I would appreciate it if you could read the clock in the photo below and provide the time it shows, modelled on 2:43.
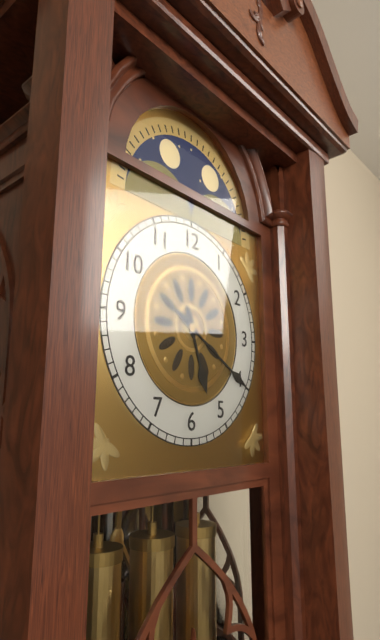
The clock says 5:20
